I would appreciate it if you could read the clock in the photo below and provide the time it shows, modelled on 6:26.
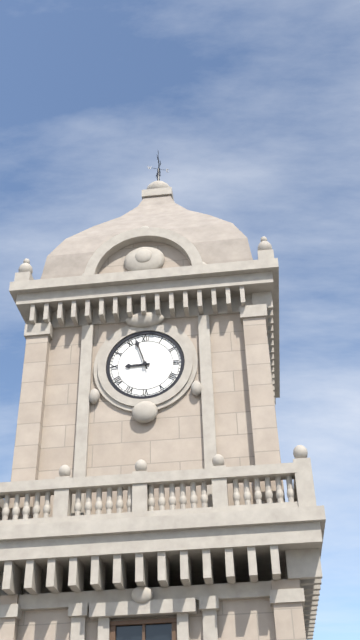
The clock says 8:57
